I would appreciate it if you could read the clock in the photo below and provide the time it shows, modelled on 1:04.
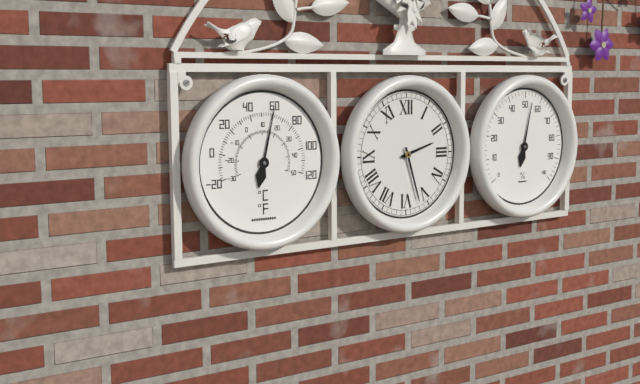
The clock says 2:27
